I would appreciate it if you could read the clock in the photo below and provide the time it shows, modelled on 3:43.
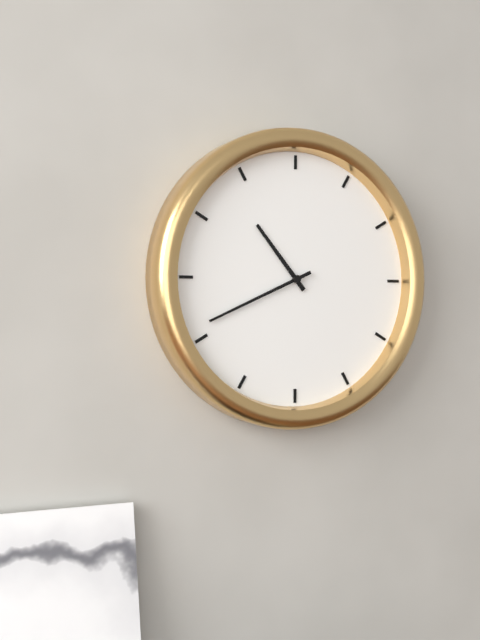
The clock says 10:41
